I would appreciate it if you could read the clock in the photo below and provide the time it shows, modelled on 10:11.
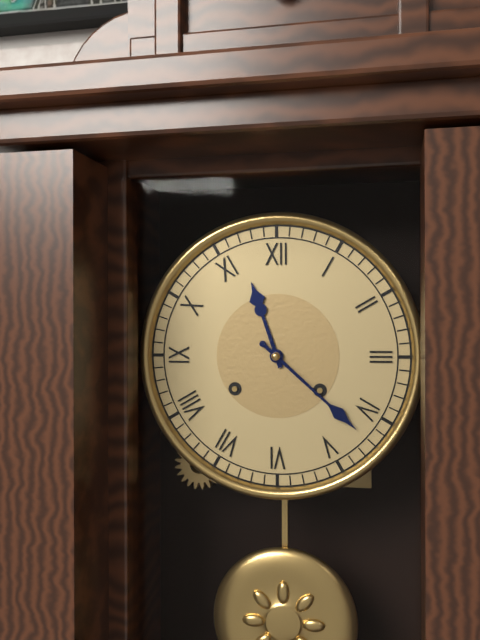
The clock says 11:22
